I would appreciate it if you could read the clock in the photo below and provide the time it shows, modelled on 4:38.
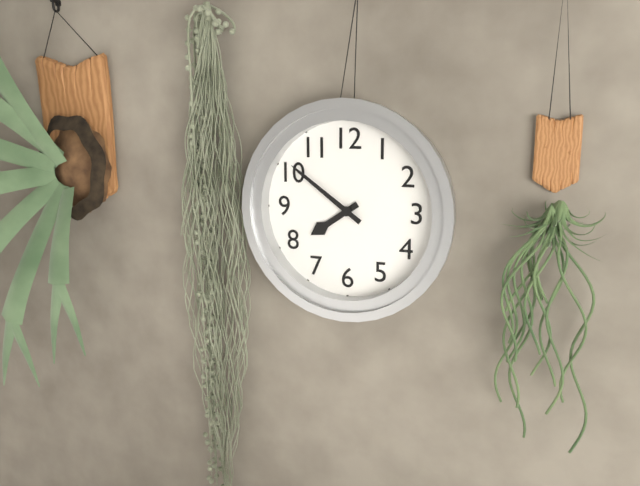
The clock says 7:51
